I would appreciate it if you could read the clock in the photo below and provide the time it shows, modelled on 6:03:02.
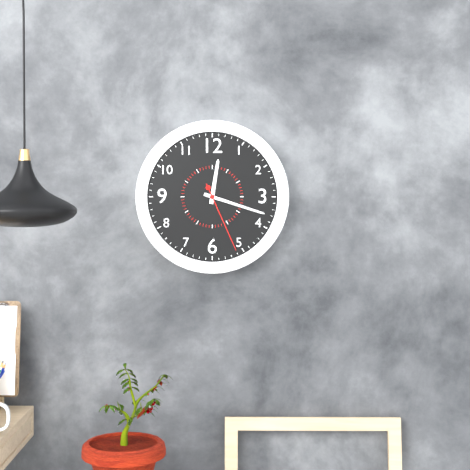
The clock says 12:18:26
